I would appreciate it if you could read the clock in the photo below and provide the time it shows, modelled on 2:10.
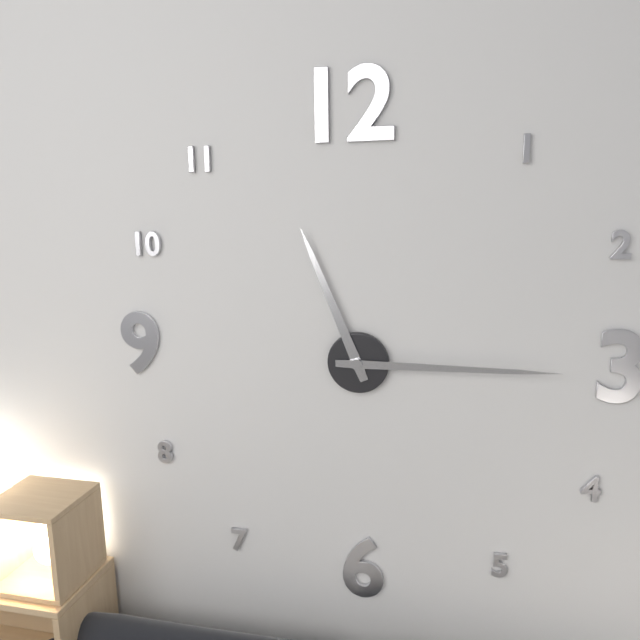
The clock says 11:15
